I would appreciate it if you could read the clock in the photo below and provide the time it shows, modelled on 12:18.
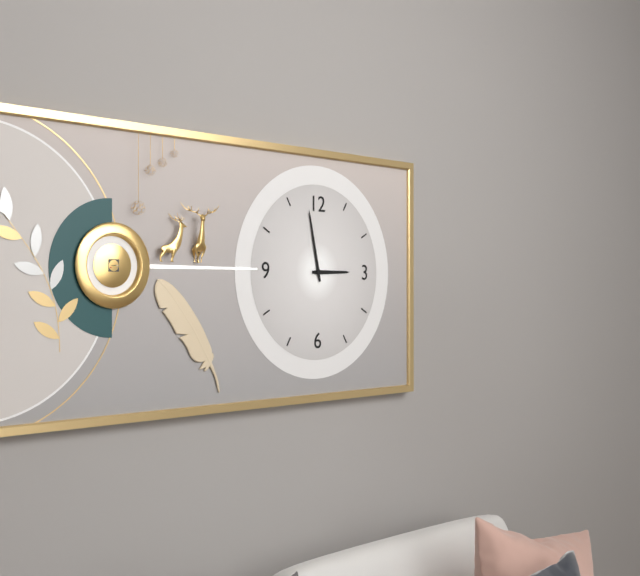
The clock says 2:58
